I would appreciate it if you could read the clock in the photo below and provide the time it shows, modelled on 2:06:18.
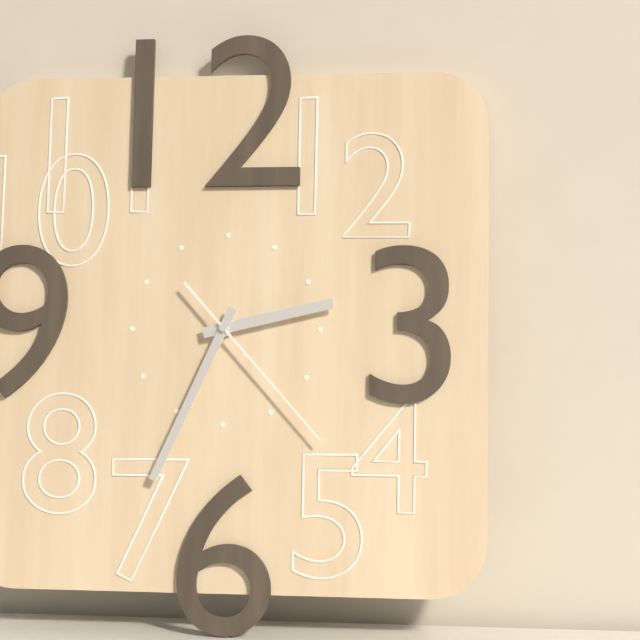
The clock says 2:34:23
